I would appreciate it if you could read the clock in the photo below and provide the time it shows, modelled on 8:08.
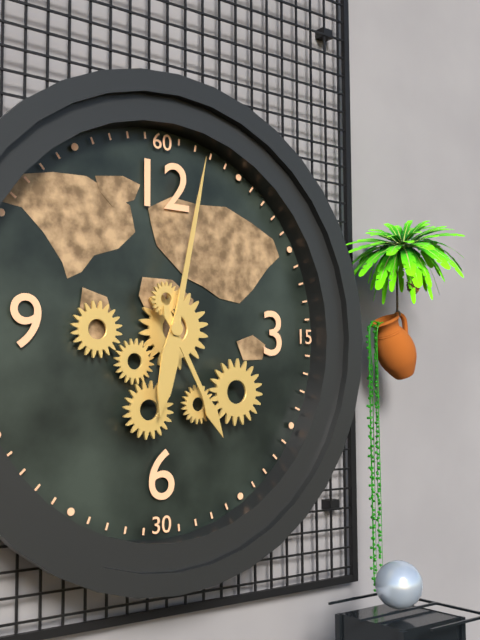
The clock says 5:02
